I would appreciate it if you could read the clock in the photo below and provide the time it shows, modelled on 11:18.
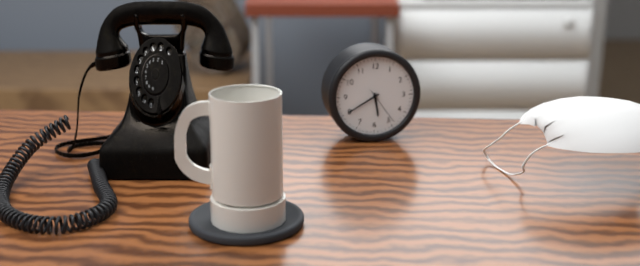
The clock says 5:40
